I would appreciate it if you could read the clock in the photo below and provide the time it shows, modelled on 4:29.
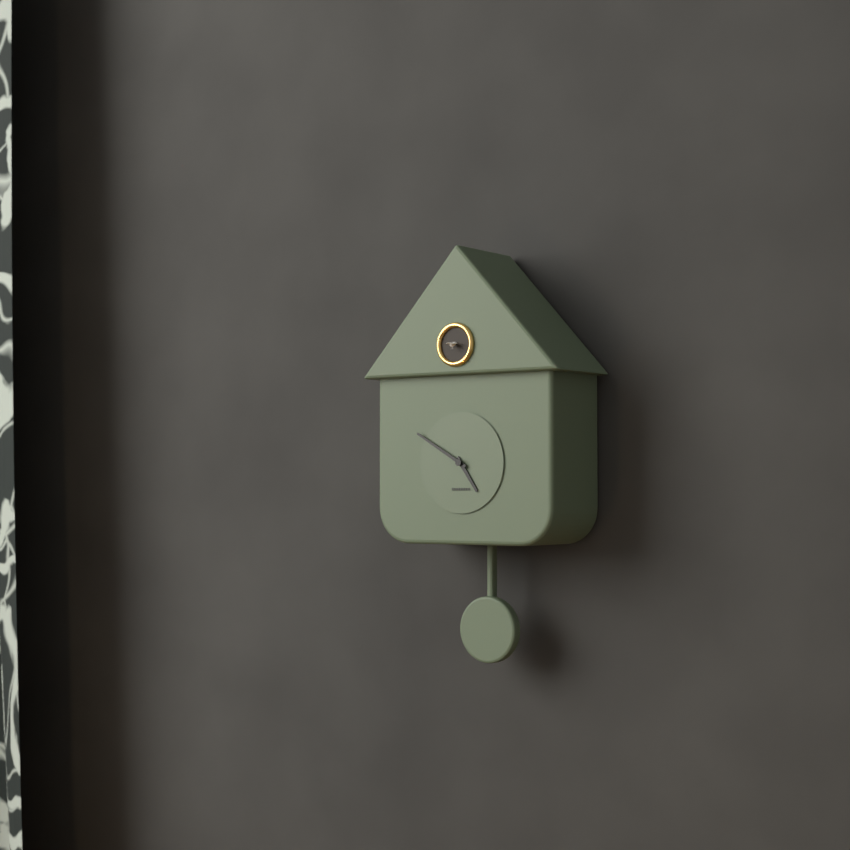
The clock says 4:50
